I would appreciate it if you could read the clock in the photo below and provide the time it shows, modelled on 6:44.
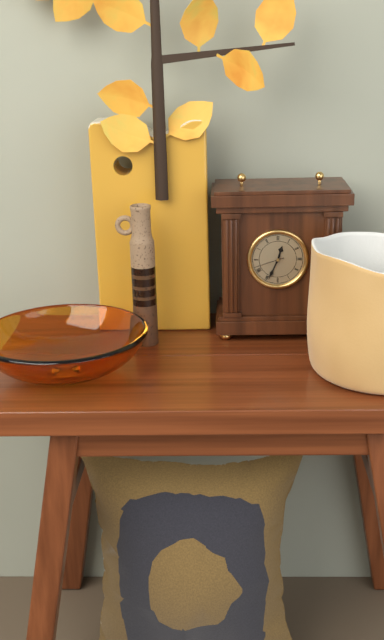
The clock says 12:34
